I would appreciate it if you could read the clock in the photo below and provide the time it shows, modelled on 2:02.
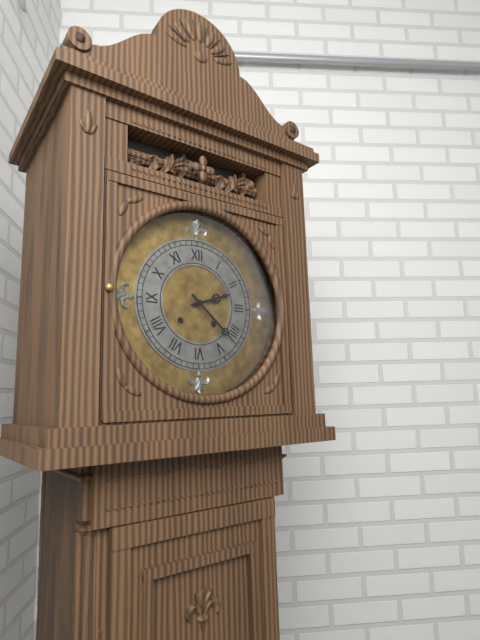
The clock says 2:22
